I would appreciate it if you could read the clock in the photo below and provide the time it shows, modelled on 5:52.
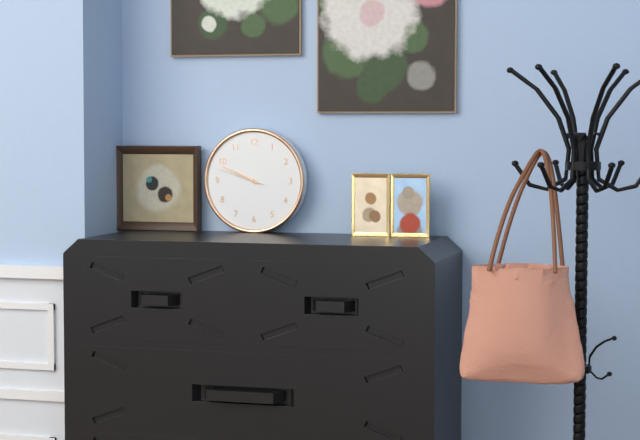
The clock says 9:49
